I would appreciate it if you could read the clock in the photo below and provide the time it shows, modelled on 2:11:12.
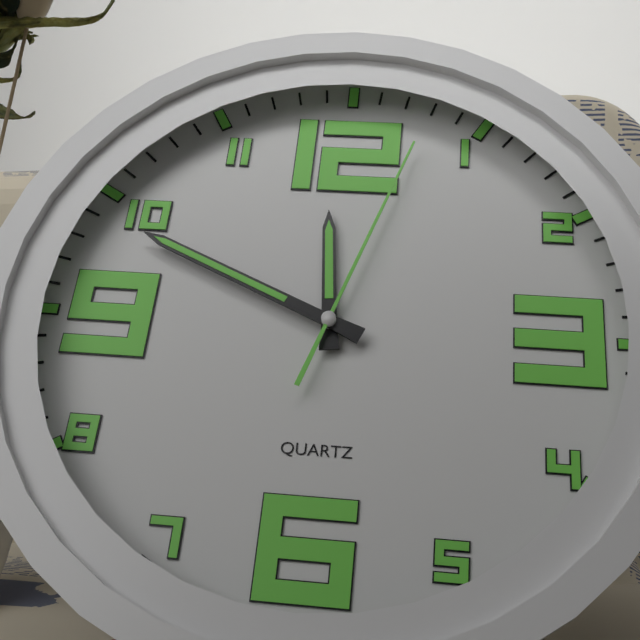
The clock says 11:49:03
